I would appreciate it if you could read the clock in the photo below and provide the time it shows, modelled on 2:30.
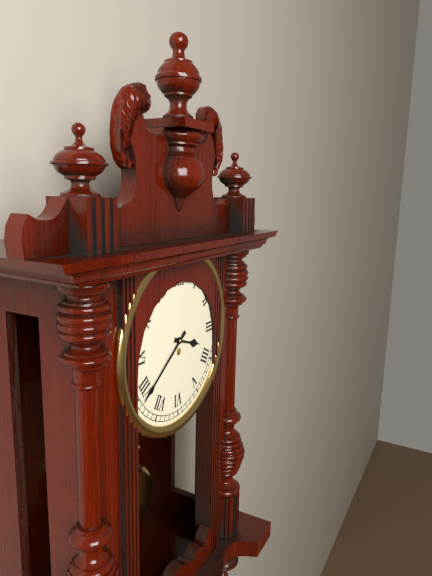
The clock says 3:39
